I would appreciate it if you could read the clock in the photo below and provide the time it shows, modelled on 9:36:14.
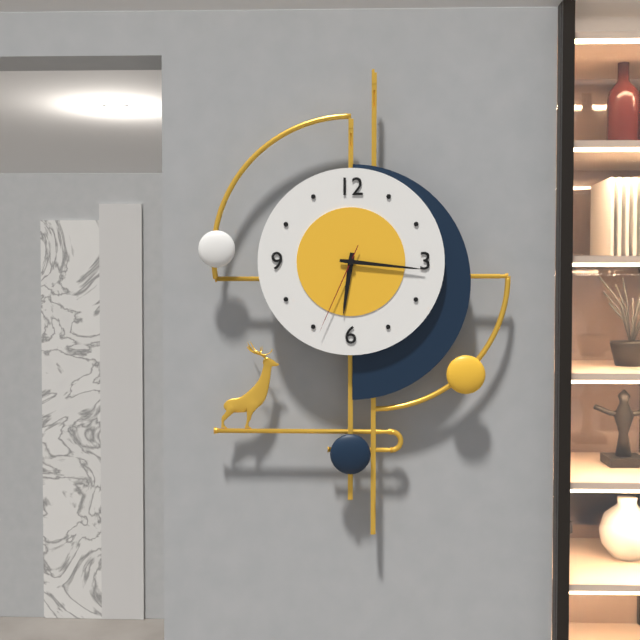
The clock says 6:16:34
